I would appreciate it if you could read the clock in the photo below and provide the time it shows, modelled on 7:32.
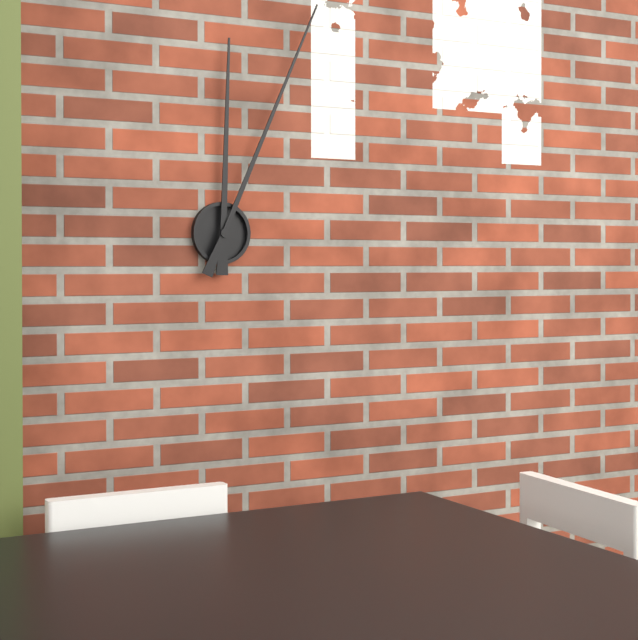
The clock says 12:04
